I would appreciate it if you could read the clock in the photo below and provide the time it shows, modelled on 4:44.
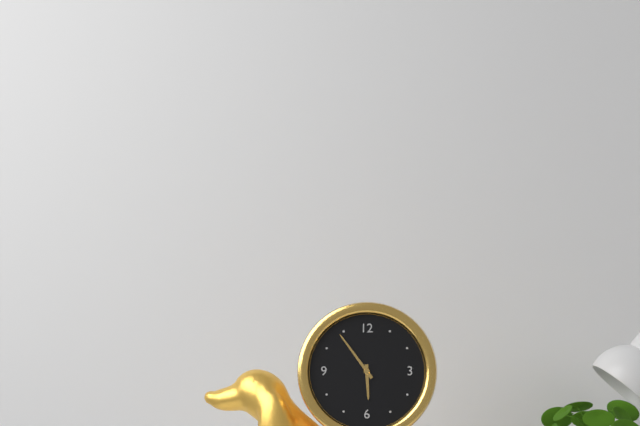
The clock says 5:54
